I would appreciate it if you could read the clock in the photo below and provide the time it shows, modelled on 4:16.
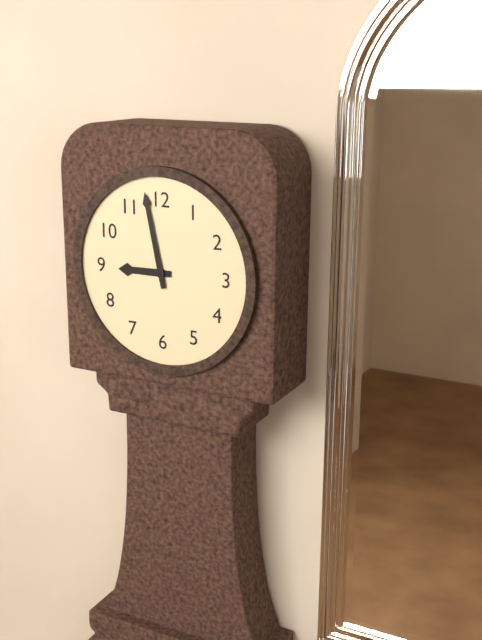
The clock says 8:58
